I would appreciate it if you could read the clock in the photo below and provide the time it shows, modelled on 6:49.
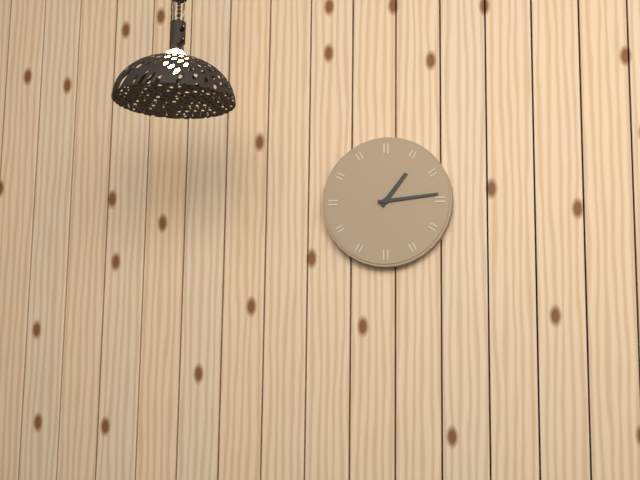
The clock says 1:14
